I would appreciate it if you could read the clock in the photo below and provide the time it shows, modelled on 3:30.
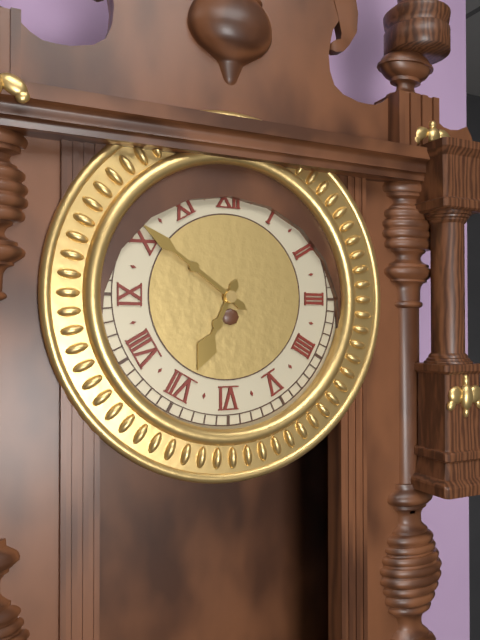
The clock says 6:51
